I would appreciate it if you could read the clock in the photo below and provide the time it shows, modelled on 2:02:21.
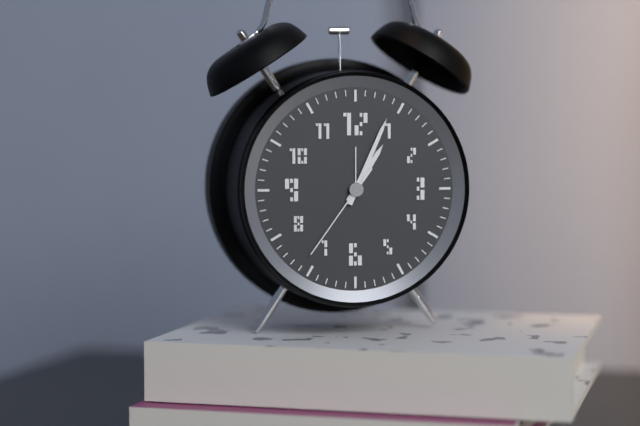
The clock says 1:04:36
